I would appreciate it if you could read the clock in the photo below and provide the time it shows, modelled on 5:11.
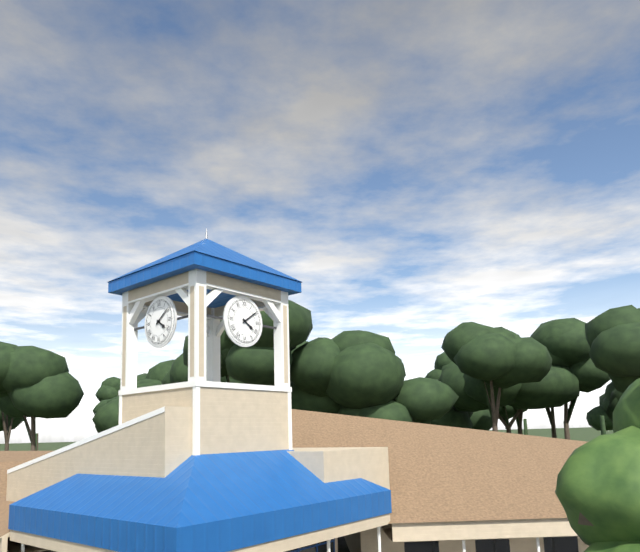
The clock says 4:09
